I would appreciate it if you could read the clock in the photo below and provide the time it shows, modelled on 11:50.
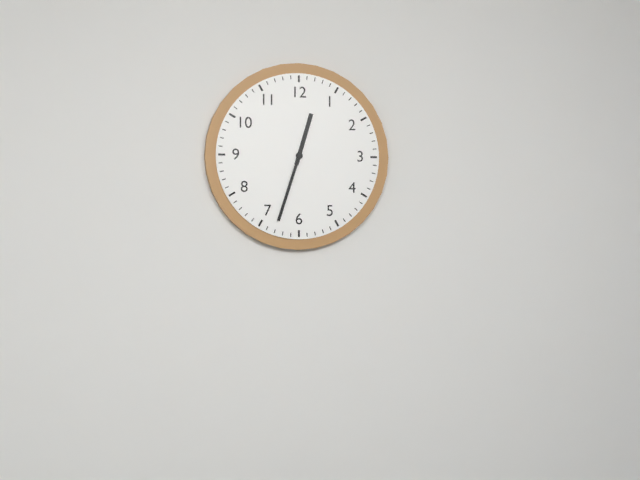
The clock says 12:33
